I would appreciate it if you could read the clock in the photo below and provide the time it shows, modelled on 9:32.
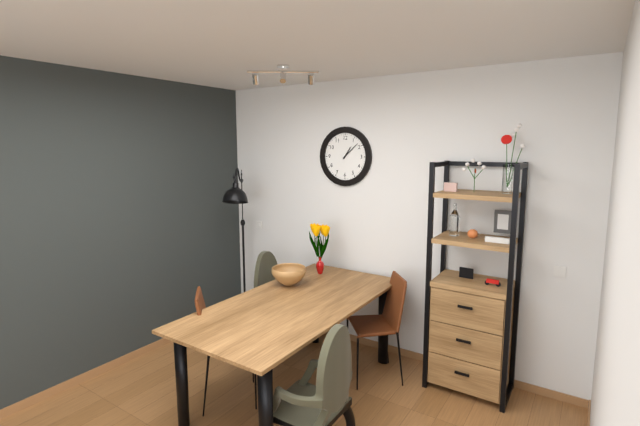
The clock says 1:08
